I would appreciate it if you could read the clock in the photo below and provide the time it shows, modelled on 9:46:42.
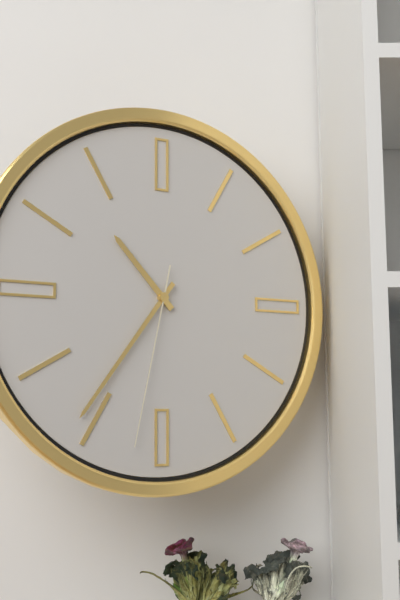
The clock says 10:36:32
